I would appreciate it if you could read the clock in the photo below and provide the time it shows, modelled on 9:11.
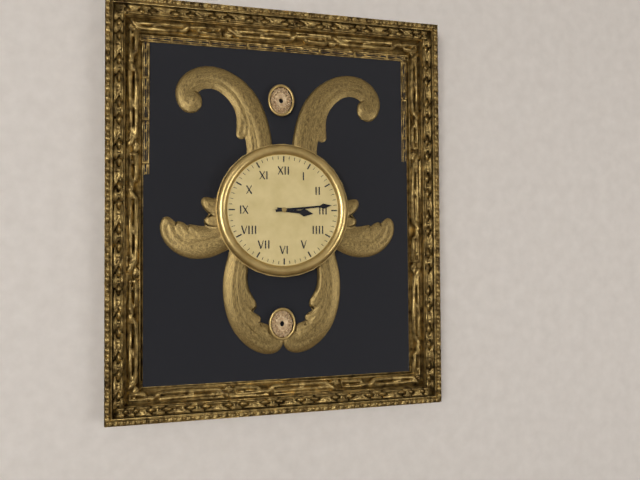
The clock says 3:14
